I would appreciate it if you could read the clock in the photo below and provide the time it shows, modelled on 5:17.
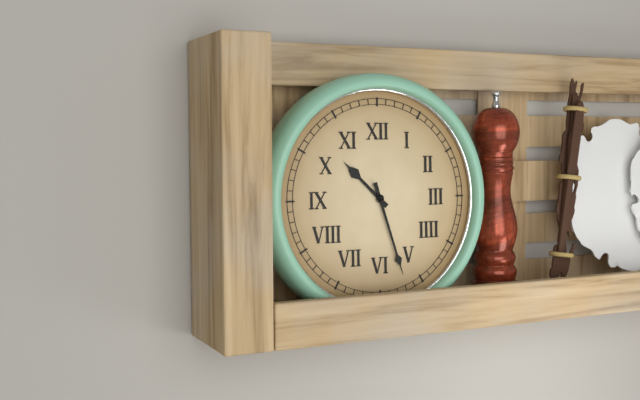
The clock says 10:27
